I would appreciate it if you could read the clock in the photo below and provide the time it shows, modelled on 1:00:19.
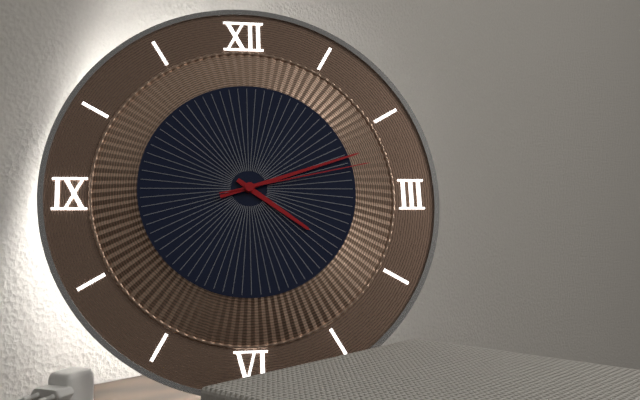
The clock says 4:12:13
